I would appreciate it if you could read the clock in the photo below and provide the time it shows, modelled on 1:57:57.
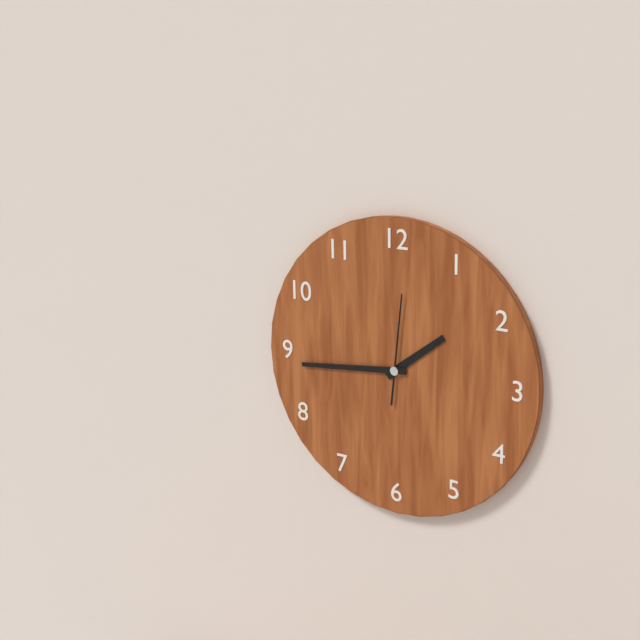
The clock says 1:44:01
